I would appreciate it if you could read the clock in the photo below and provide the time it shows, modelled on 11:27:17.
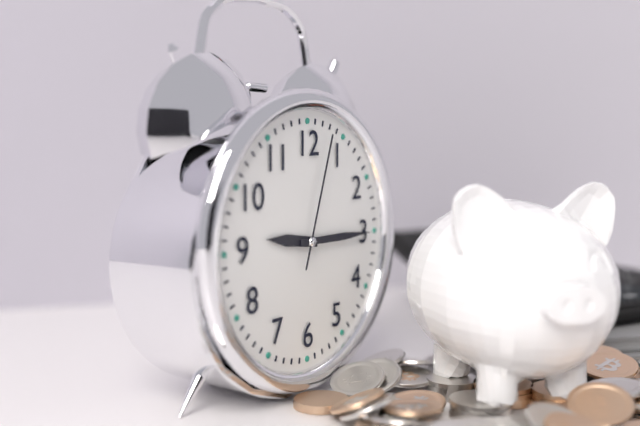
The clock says 9:15:03
